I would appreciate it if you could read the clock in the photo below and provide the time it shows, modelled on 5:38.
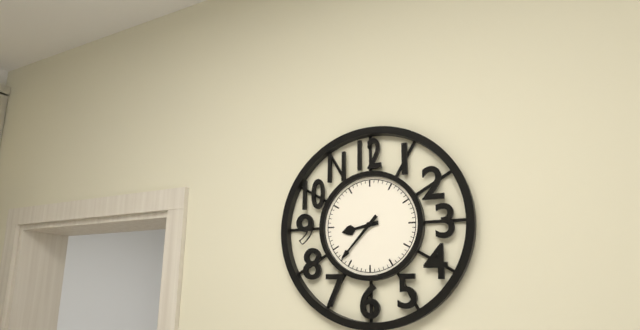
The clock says 8:37
